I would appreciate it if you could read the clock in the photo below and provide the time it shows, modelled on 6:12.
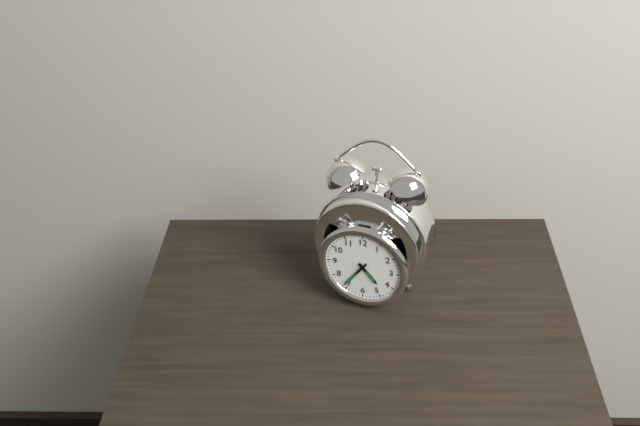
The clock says 4:36
